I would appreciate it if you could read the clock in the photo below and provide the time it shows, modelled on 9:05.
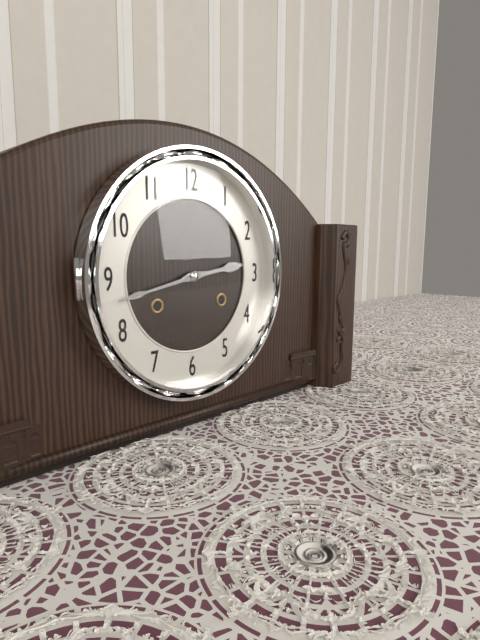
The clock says 2:43
